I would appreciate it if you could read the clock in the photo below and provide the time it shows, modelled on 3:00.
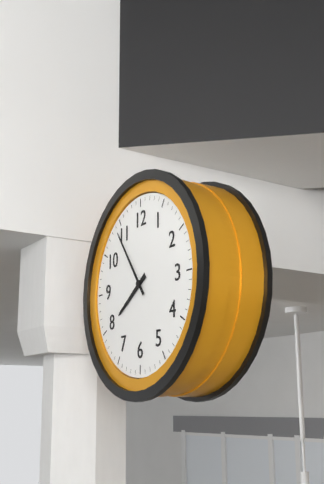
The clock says 7:54
